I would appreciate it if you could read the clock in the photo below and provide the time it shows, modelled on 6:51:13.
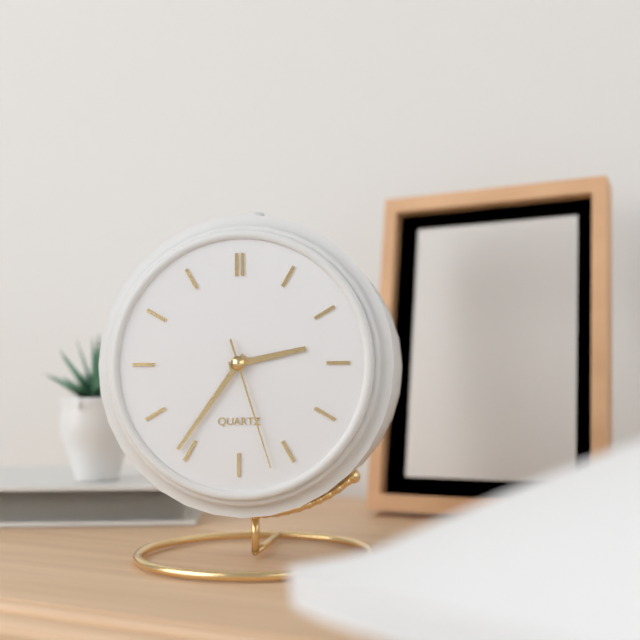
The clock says 2:36:27
